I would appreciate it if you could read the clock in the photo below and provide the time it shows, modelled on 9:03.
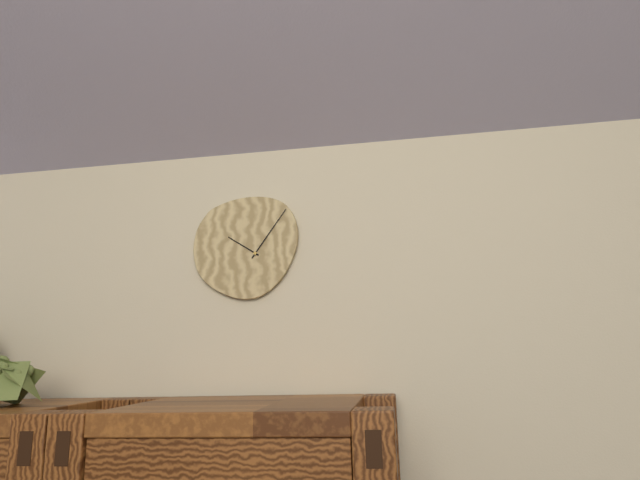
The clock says 10:06
